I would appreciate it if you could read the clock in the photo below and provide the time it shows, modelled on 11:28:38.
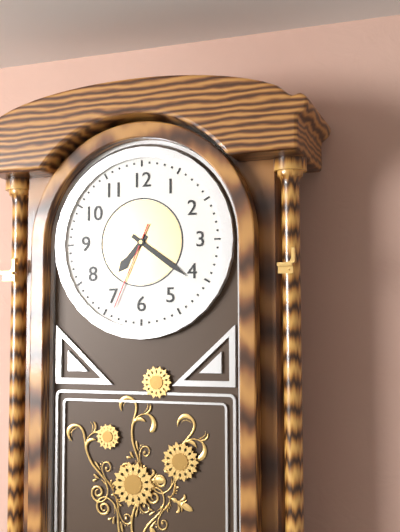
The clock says 7:21:34
